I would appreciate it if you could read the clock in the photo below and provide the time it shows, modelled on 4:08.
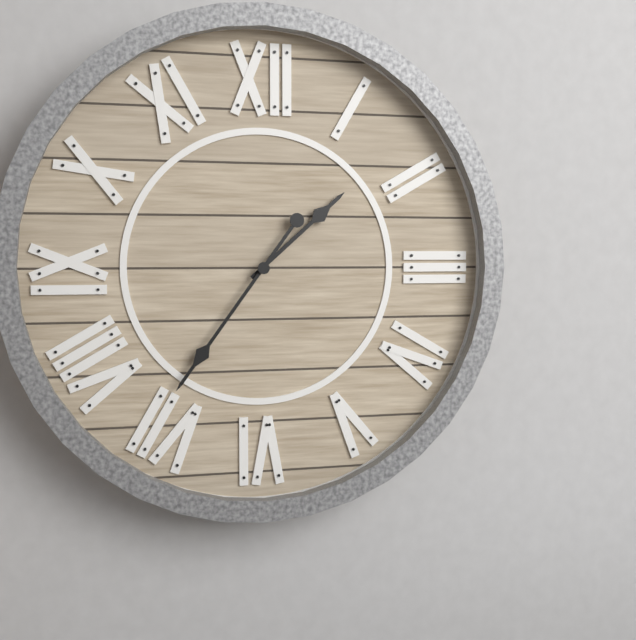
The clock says 1:36
